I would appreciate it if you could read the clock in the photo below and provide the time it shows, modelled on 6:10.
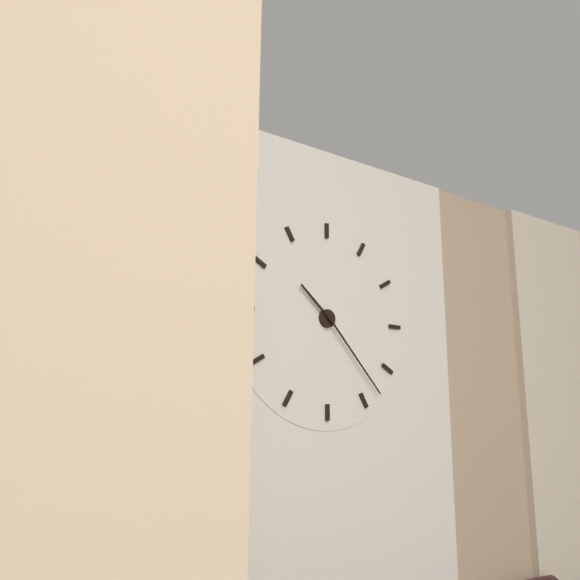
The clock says 10:23
